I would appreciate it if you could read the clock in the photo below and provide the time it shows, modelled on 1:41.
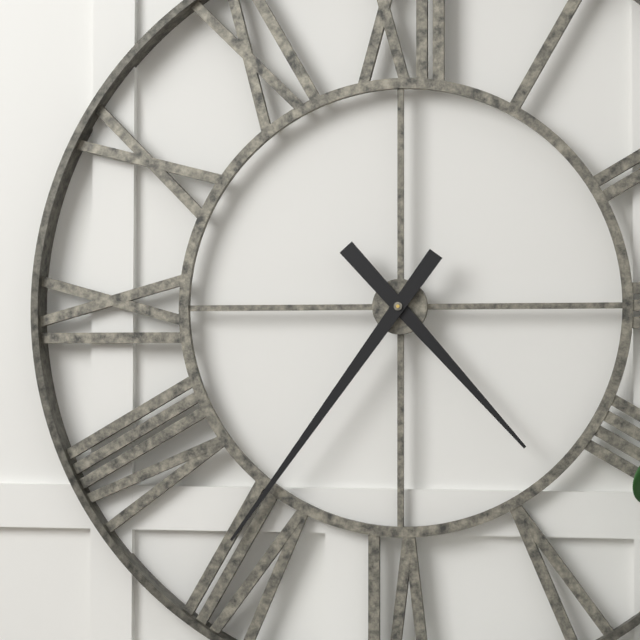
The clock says 4:36
